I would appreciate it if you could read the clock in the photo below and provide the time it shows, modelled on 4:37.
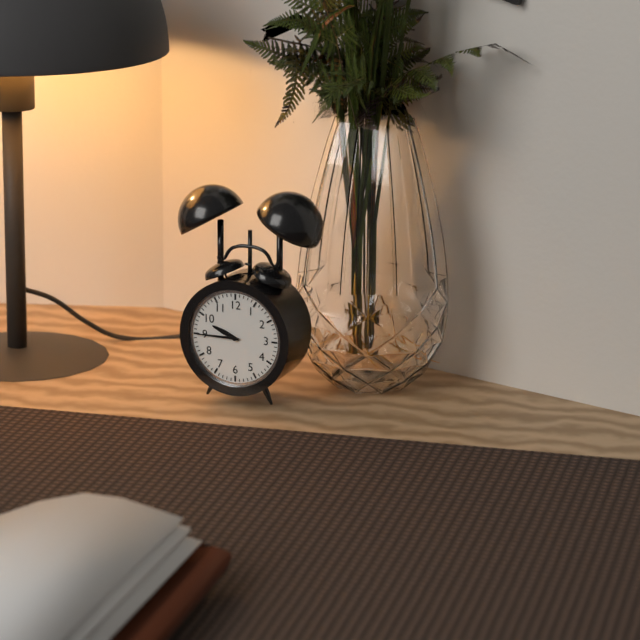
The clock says 9:45
